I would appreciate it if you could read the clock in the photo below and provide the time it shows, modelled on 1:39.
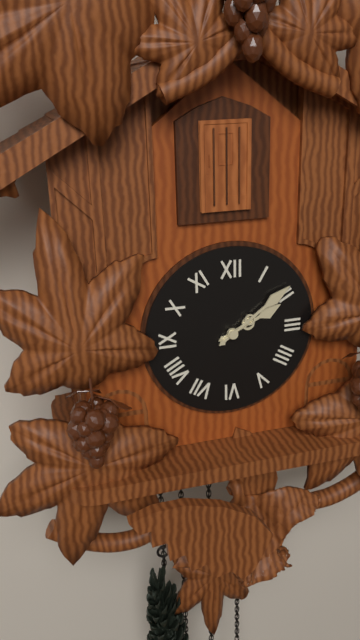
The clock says 2:09
